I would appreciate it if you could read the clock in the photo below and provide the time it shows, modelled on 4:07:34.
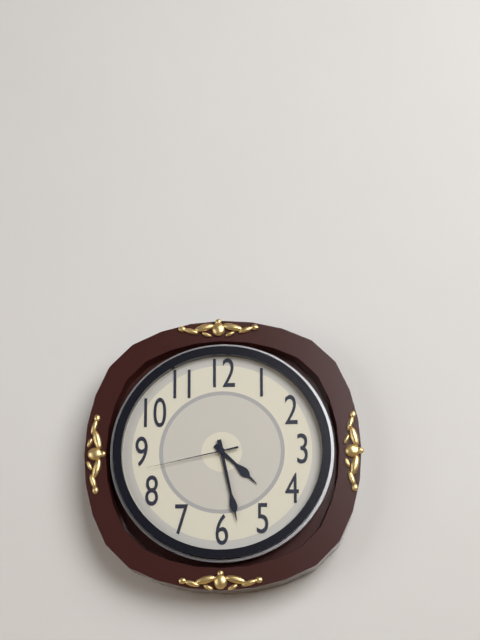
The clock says 4:28:43
